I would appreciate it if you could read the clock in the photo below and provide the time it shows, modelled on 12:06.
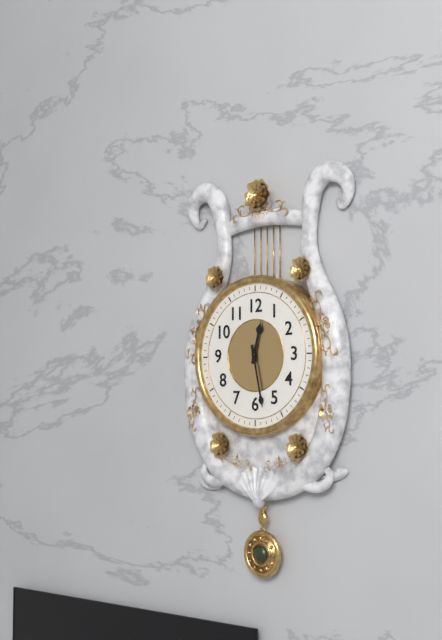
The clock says 12:28
